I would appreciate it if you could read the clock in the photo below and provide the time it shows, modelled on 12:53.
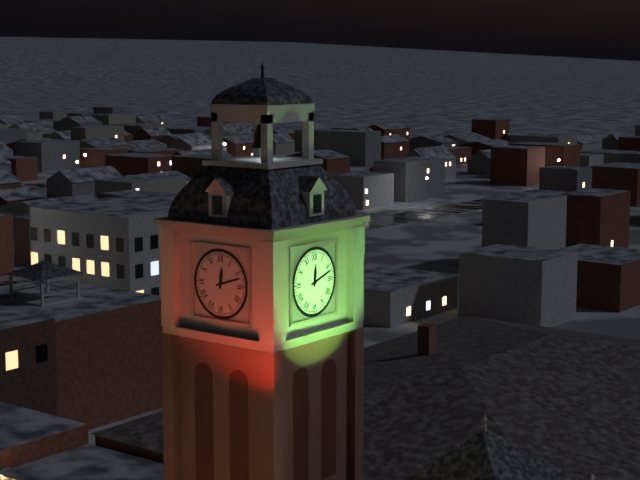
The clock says 12:12
